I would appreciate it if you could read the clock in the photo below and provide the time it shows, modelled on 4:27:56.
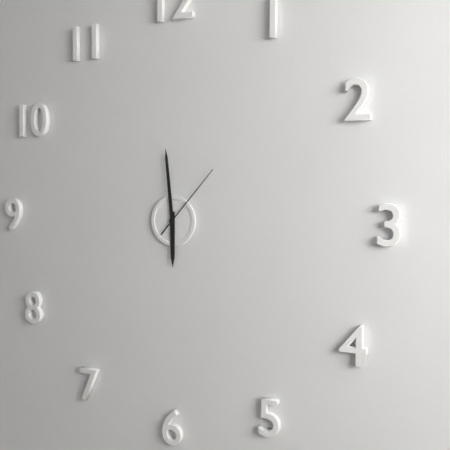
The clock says 5:59:07
